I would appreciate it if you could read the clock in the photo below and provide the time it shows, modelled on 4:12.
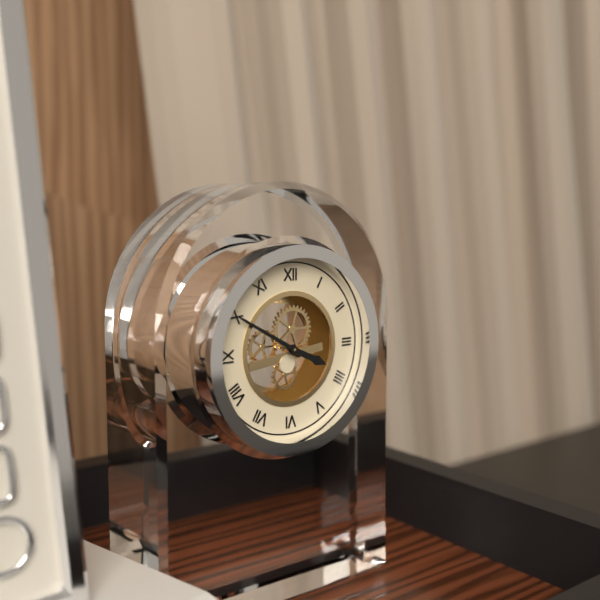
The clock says 3:50
